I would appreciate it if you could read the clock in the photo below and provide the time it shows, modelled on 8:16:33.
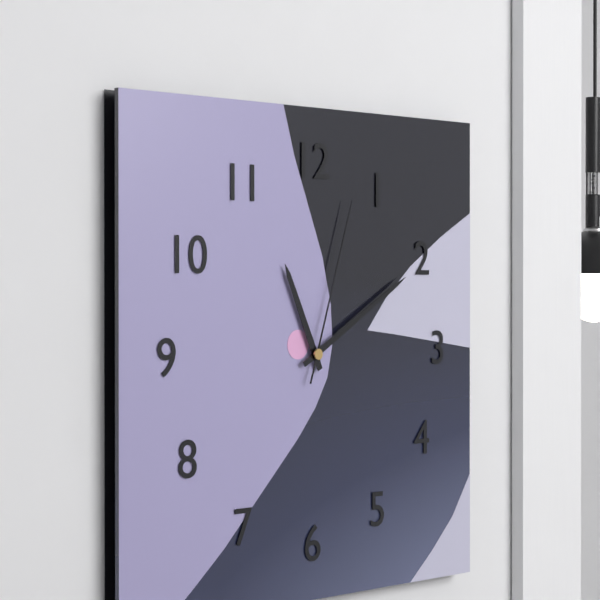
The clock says 11:10:03
